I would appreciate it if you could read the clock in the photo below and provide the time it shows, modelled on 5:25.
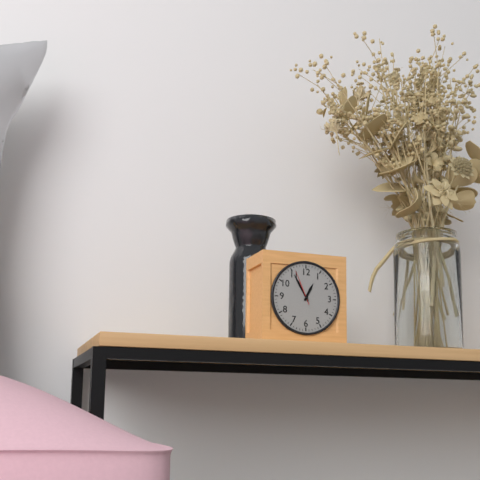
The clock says 12:55
